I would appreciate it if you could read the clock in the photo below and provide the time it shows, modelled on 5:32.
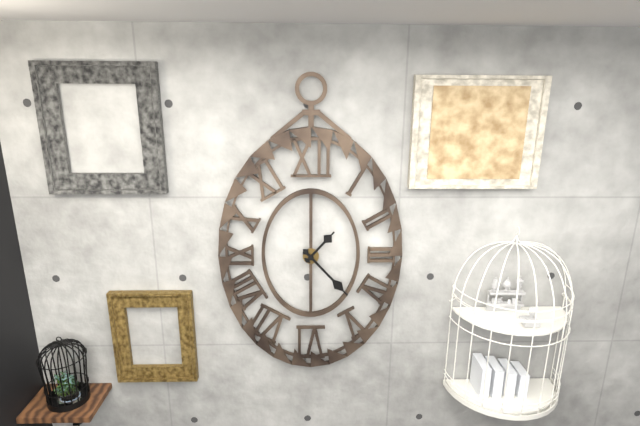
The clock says 1:23
